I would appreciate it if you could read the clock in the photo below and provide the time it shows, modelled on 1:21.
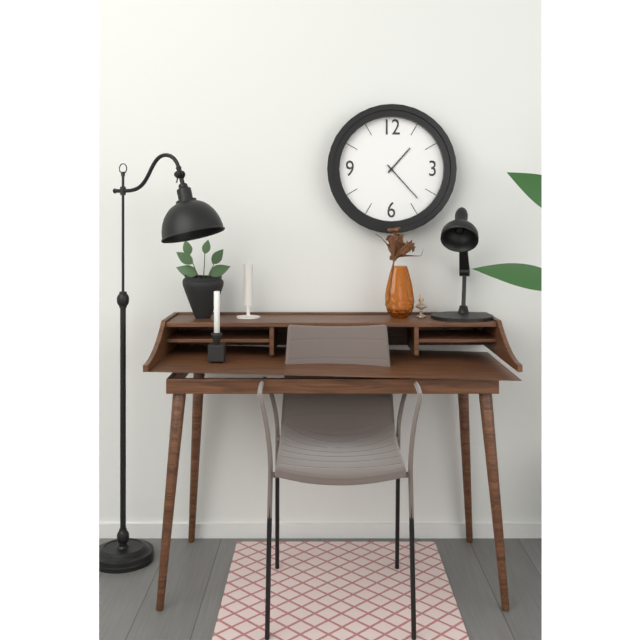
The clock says 1:23
